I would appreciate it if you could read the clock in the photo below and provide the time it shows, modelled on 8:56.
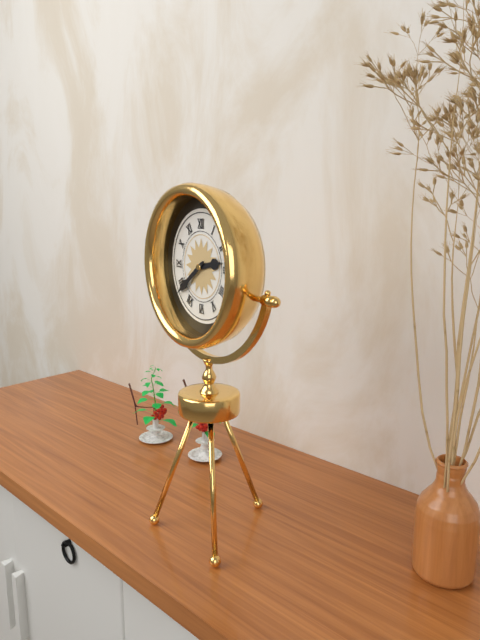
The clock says 2:39
